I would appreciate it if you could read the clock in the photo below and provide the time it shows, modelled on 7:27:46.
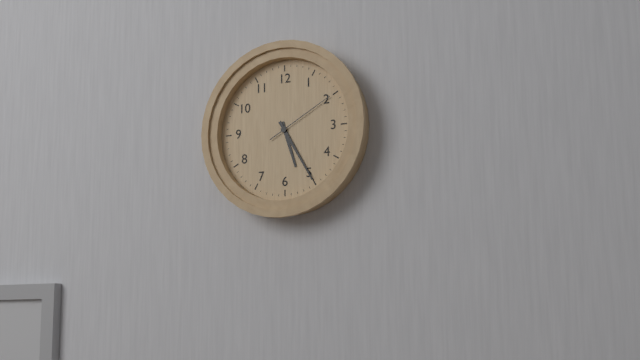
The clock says 5:25:10
